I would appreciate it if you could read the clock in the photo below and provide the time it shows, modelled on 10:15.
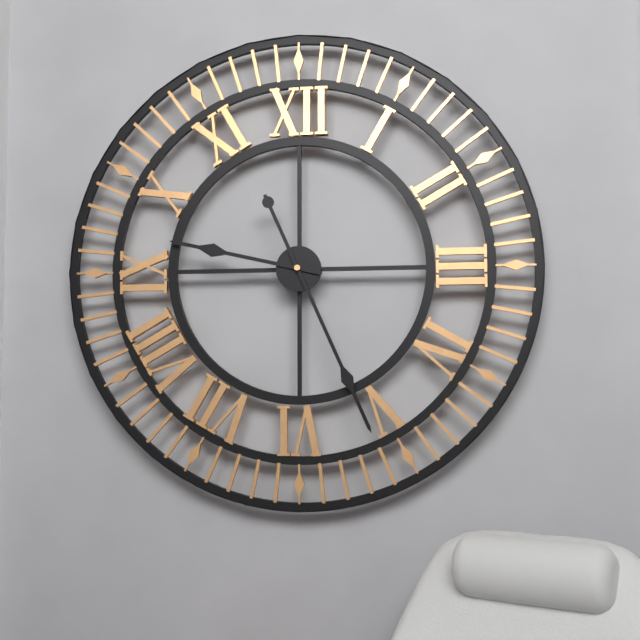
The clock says 9:26
